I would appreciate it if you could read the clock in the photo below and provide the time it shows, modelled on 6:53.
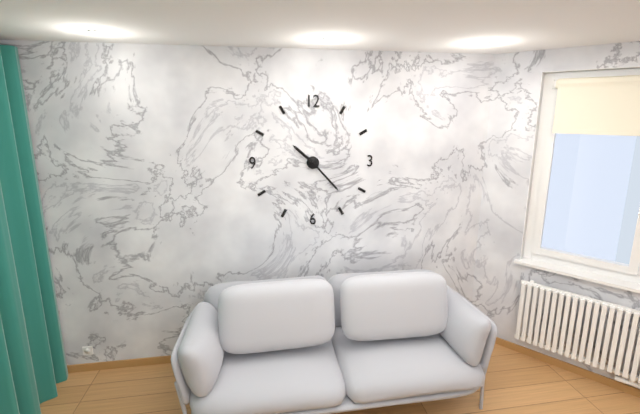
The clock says 10:23
